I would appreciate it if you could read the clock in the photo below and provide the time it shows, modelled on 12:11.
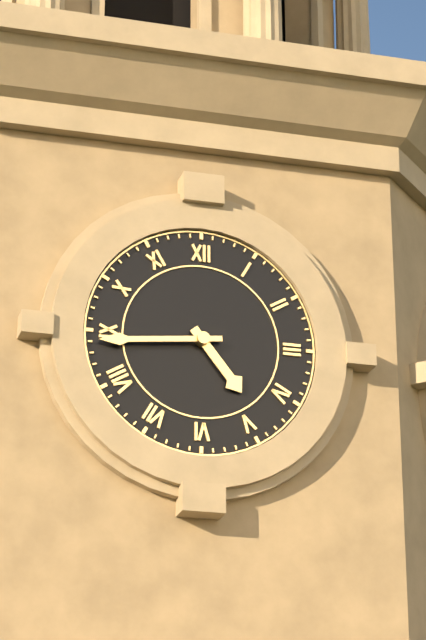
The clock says 4:44
